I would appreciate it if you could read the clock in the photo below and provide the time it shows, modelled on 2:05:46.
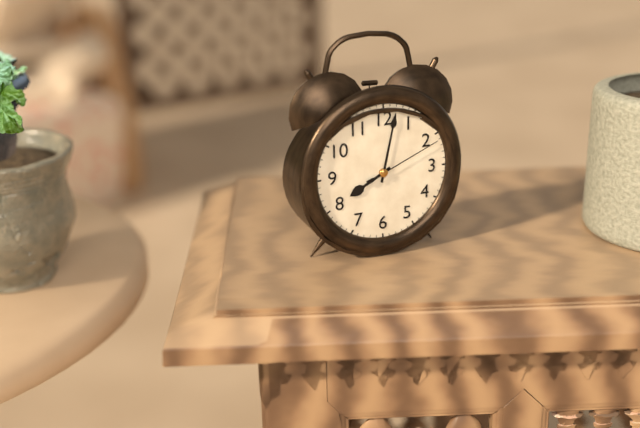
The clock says 8:02:11
